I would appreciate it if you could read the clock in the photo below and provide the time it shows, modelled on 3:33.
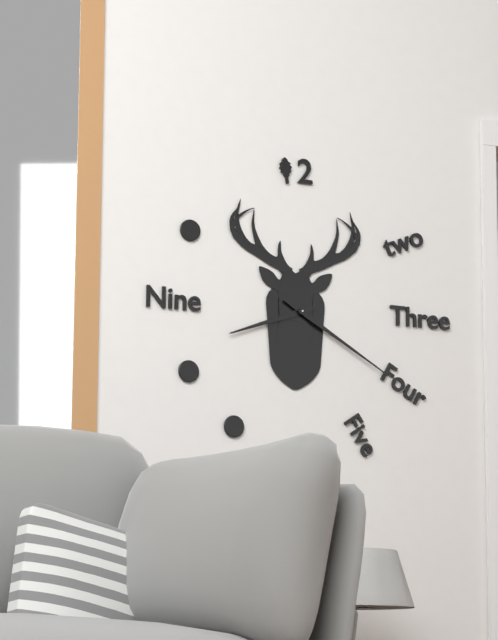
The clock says 8:20
